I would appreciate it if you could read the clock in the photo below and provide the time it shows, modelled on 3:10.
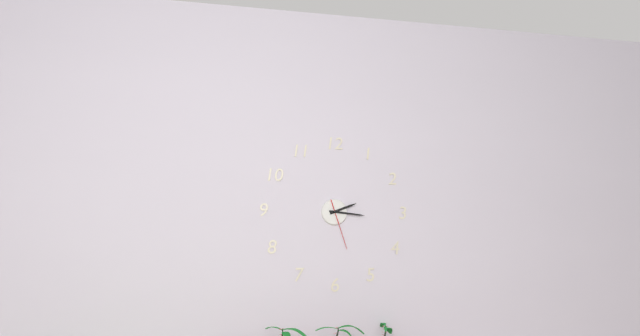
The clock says 2:16
